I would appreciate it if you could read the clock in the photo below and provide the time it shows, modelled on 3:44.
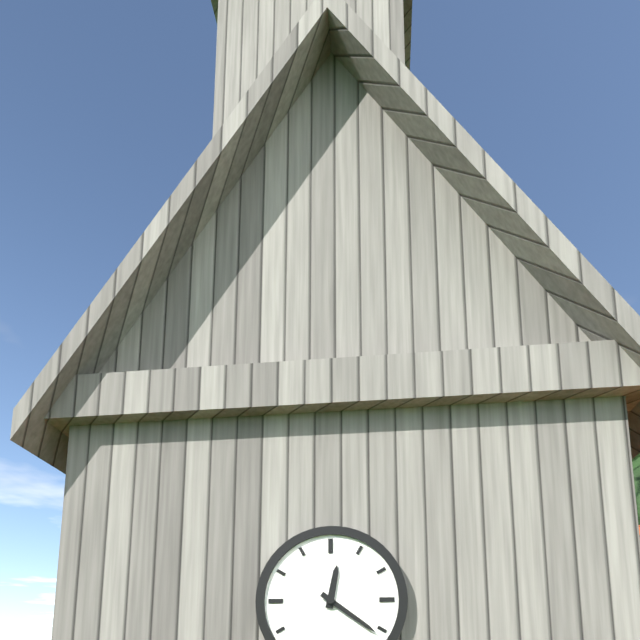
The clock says 12:21
